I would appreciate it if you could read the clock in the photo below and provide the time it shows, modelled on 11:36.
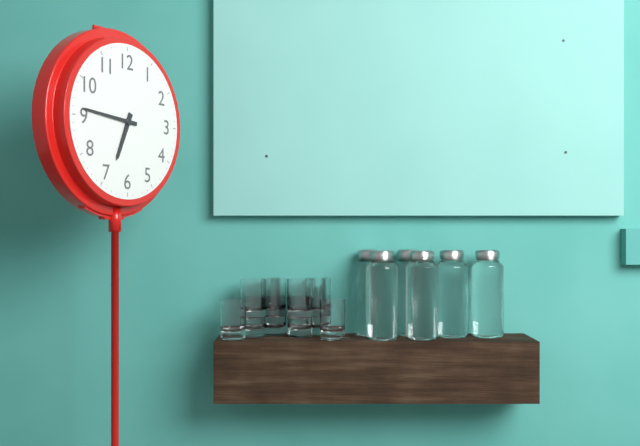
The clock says 6:46
